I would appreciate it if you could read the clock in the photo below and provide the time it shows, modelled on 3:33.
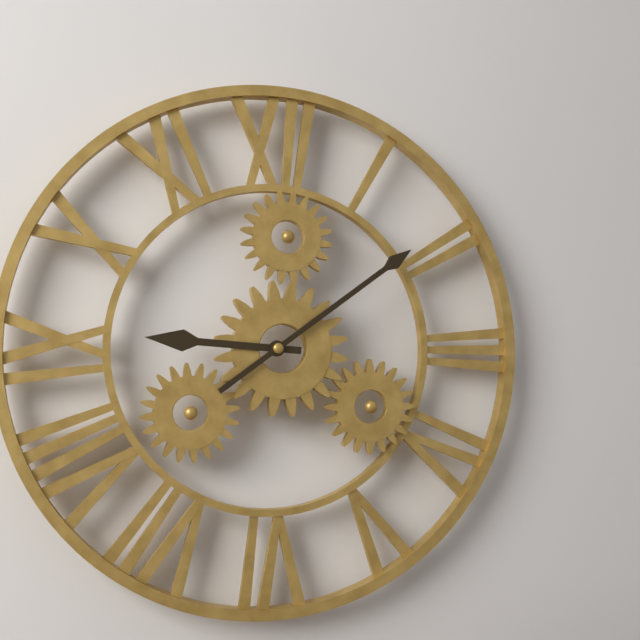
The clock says 9:09
